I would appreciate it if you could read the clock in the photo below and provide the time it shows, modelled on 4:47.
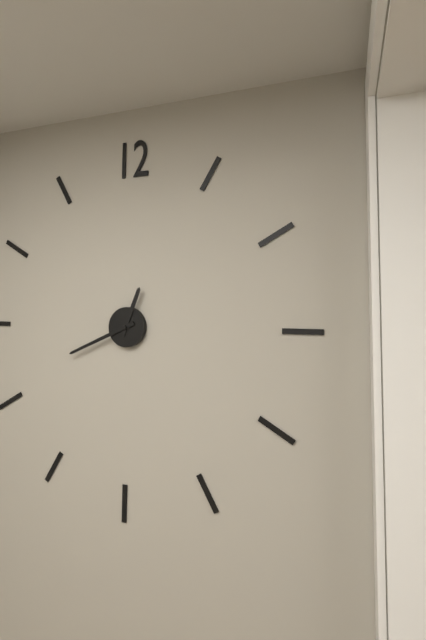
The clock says 12:41
